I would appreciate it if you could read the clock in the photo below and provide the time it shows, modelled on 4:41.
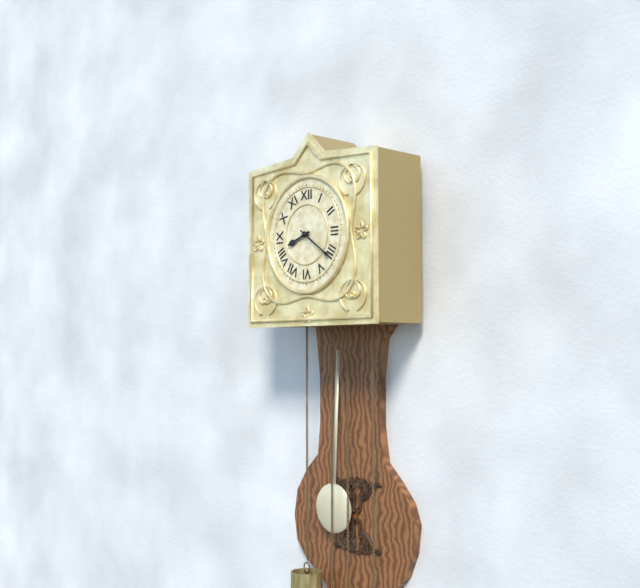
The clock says 8:21
